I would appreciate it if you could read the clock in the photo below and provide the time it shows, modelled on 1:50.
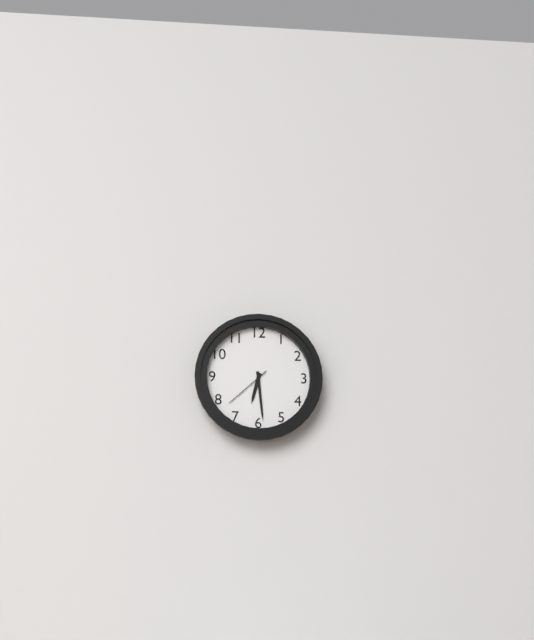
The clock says 6:29
